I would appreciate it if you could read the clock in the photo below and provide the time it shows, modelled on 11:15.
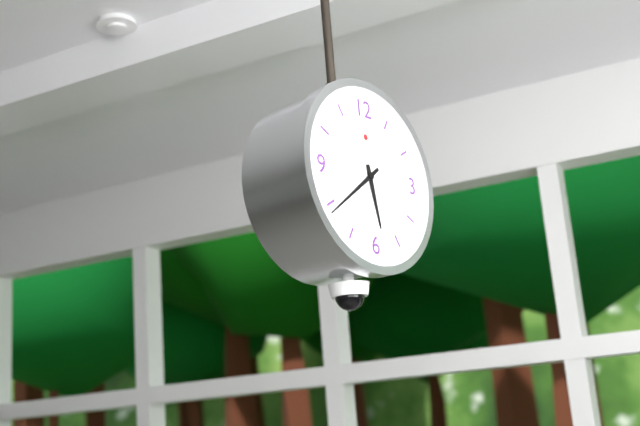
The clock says 5:39
